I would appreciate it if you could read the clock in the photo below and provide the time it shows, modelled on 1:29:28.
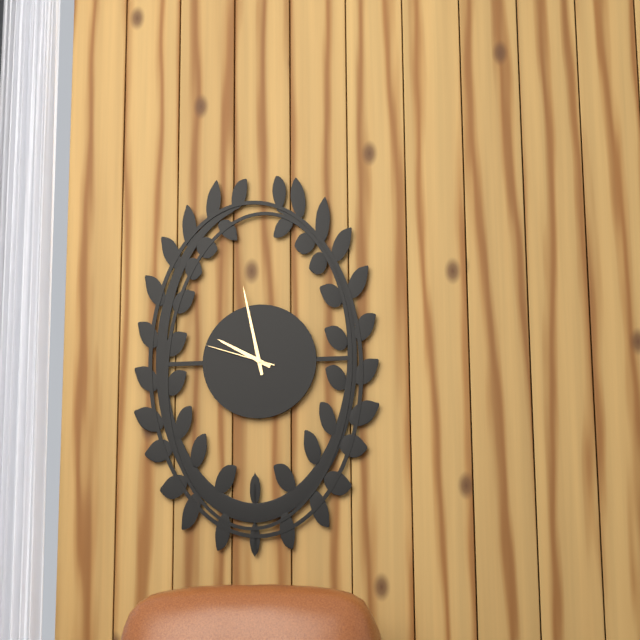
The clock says 9:58:48
